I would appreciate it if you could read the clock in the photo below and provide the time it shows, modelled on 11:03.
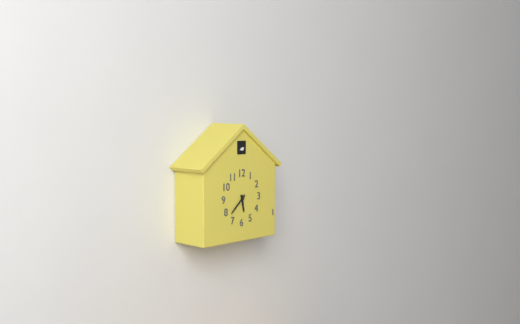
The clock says 5:38
